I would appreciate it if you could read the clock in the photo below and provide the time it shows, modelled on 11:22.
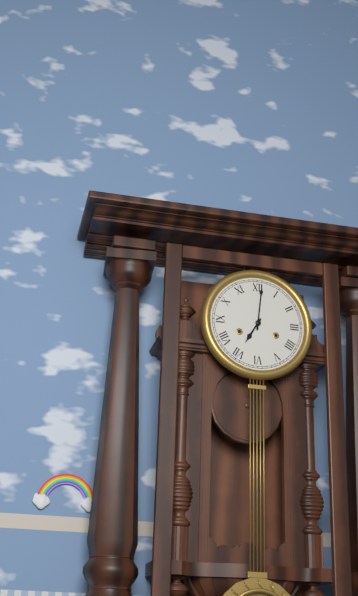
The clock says 7:01
